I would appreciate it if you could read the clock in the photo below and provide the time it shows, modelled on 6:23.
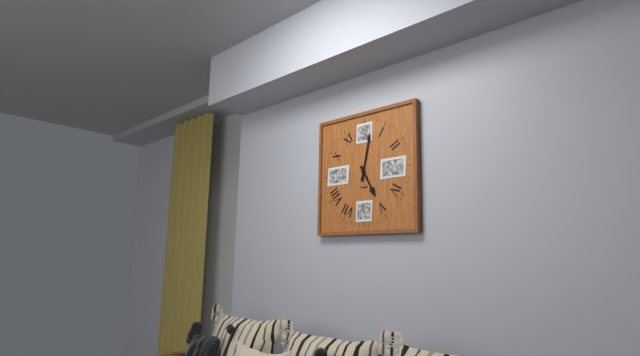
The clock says 5:02
